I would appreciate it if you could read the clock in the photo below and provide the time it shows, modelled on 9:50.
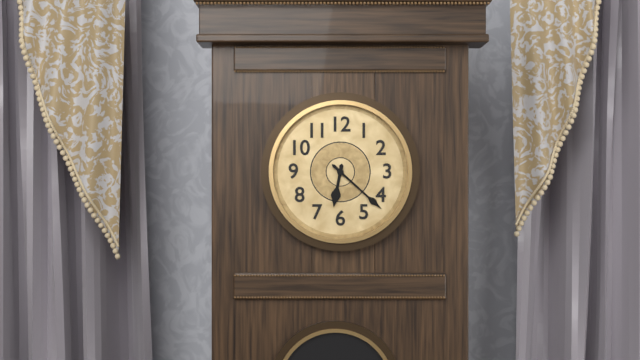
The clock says 6:22
